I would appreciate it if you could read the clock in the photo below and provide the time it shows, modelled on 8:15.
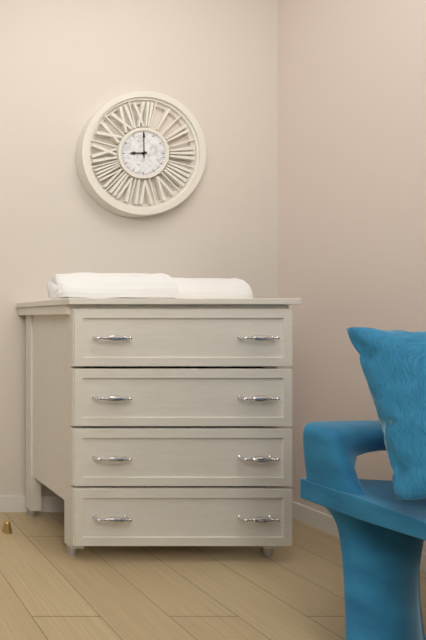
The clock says 9:00
